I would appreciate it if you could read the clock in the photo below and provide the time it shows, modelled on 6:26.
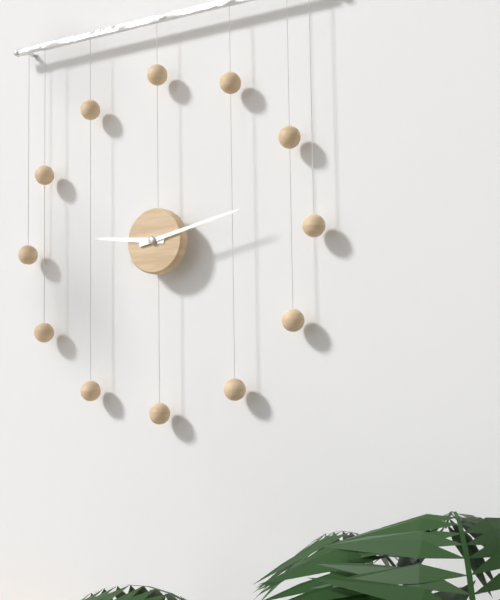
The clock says 9:13
